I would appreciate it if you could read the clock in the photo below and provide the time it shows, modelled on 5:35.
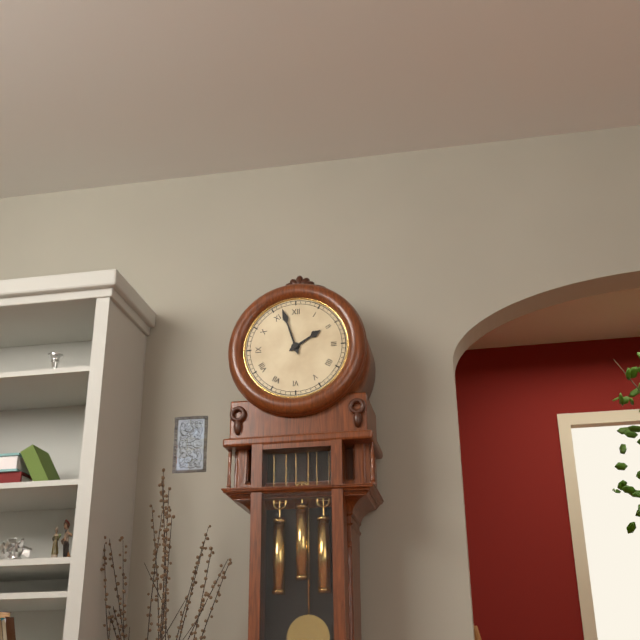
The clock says 1:57
